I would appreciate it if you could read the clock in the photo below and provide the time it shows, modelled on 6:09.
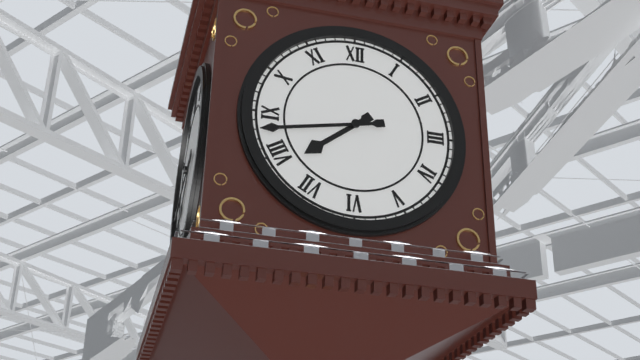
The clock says 7:43
